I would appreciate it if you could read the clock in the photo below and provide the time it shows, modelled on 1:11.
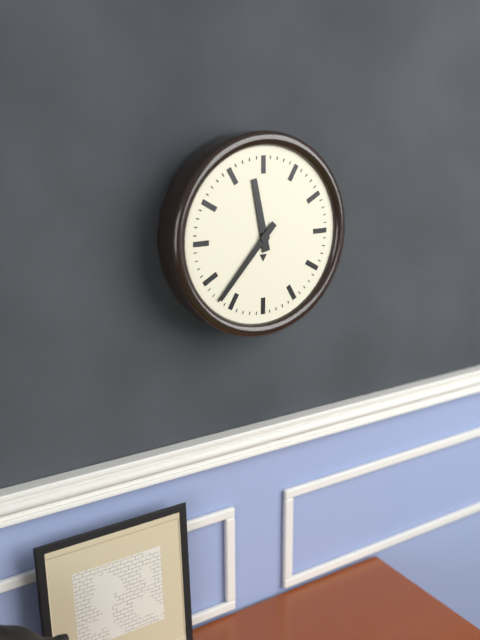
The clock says 11:37
